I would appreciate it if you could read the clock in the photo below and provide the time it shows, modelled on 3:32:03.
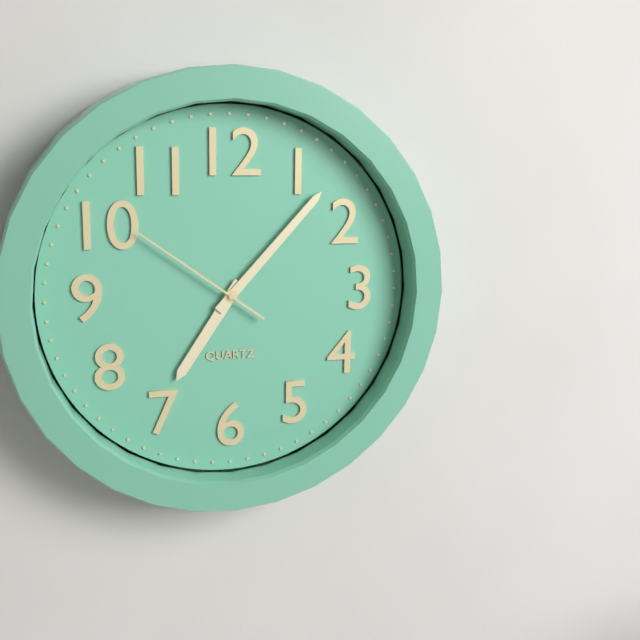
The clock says 7:07:51
